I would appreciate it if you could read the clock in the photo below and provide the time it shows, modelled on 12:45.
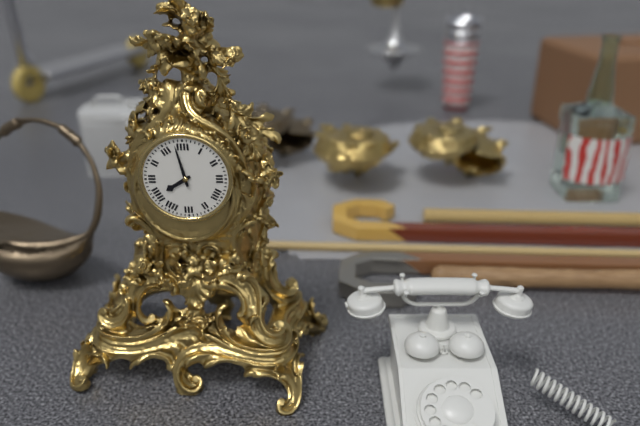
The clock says 7:58
